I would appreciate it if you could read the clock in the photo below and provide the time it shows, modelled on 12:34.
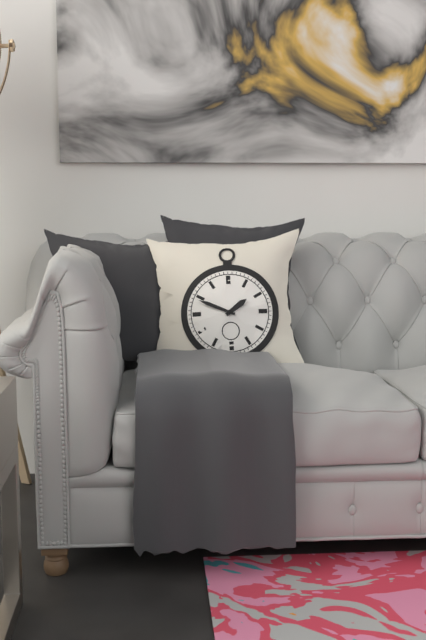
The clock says 1:49
